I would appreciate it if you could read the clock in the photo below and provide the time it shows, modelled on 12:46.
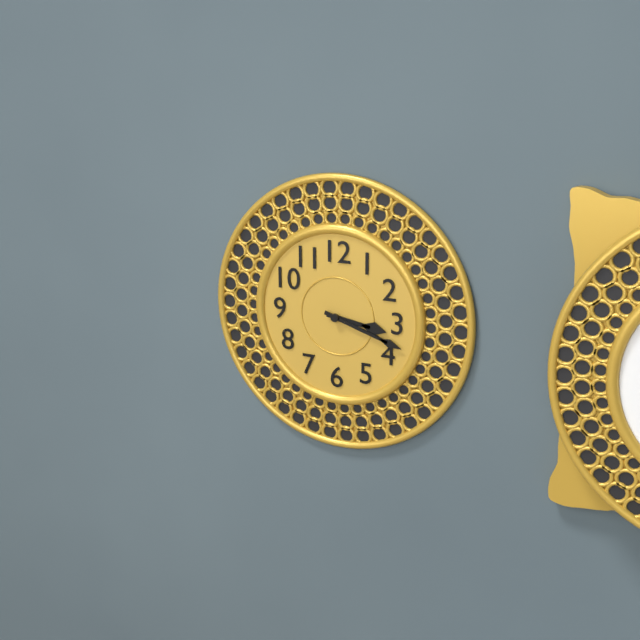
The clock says 3:18
